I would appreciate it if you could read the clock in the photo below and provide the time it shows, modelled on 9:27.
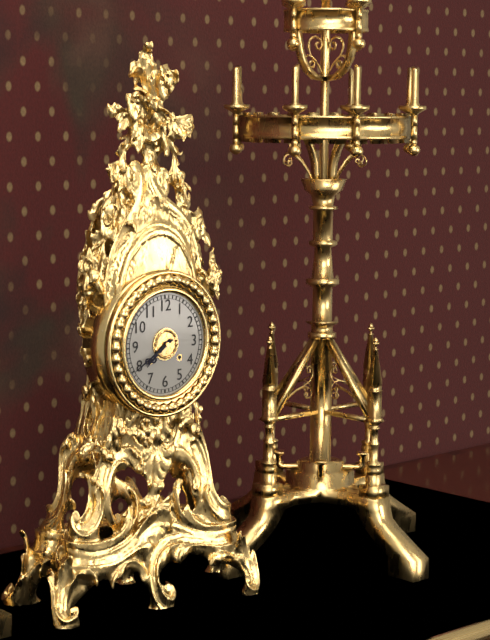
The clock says 7:40
